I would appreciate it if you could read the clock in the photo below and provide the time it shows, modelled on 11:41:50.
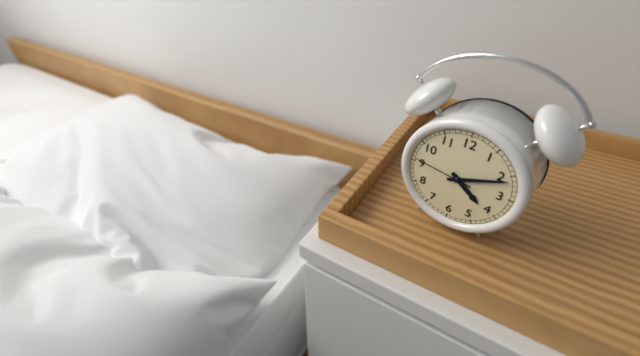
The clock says 4:11:46
